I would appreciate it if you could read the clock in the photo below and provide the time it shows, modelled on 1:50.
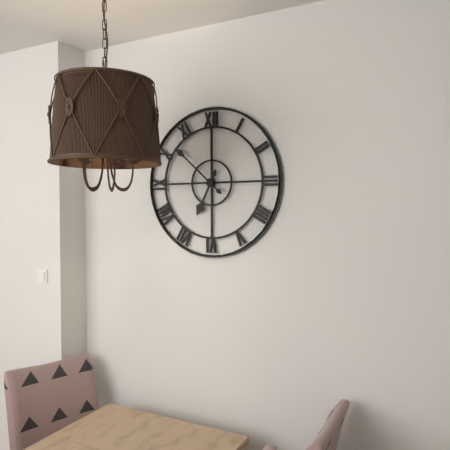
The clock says 6:52
